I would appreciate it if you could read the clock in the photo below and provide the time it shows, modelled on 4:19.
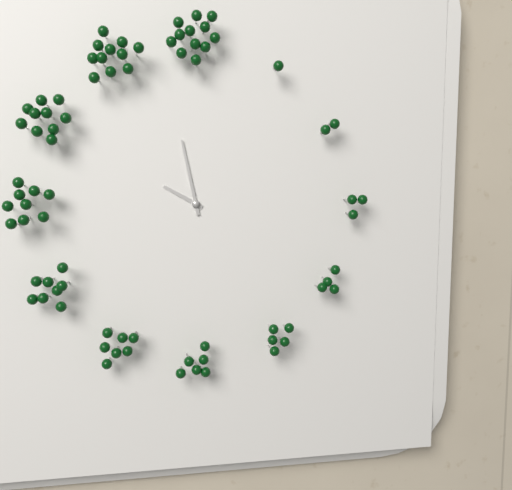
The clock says 9:58
